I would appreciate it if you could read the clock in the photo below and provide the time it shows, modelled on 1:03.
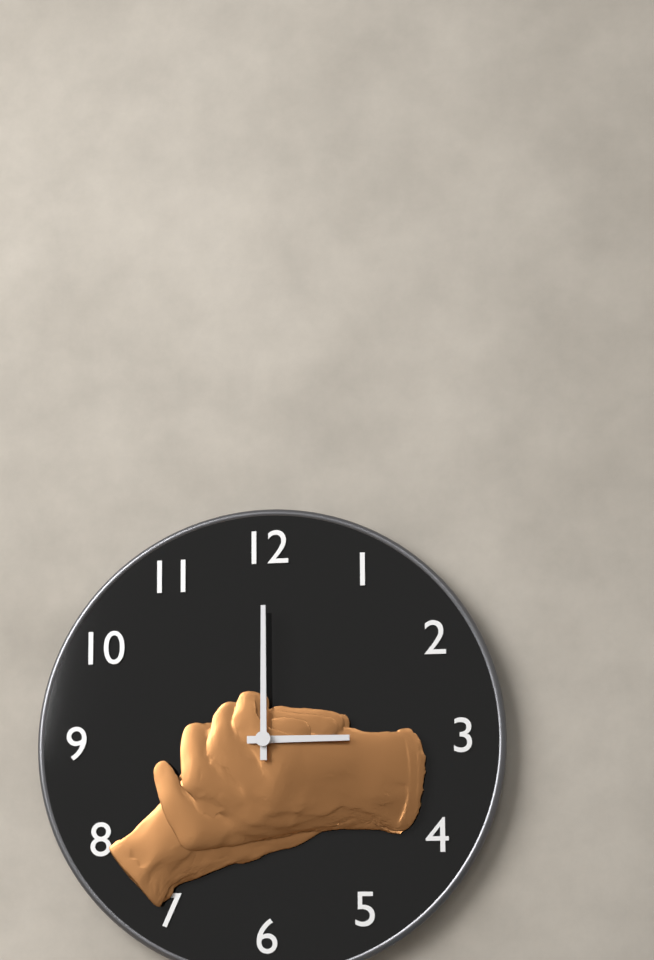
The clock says 3:00
